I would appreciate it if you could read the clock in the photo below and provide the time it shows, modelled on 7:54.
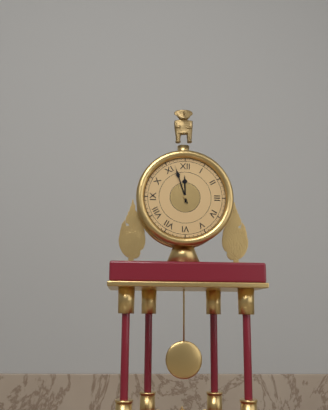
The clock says 11:57
